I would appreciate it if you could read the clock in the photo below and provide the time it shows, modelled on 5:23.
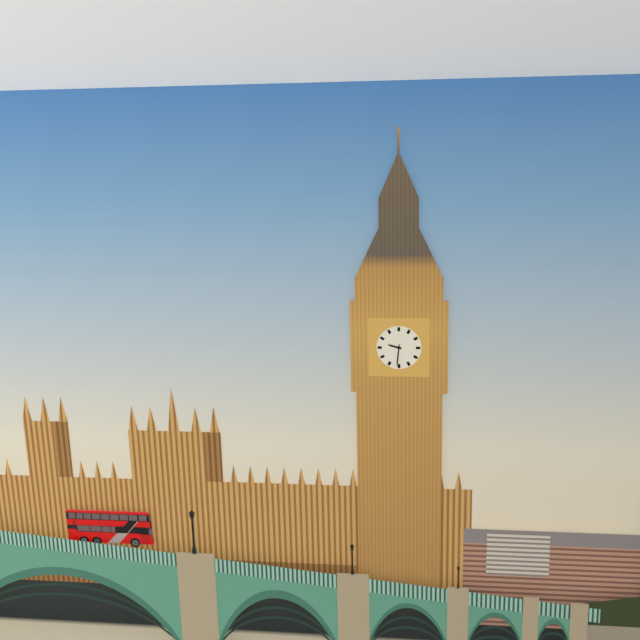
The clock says 9:31
